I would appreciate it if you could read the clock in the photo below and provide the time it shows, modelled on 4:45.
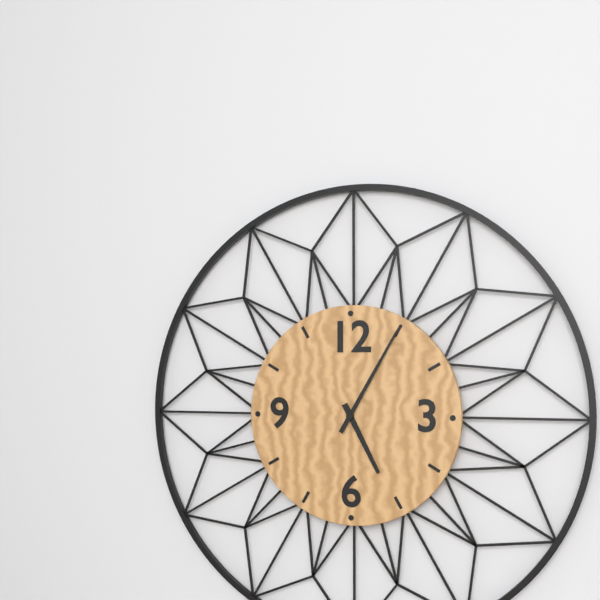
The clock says 5:05
